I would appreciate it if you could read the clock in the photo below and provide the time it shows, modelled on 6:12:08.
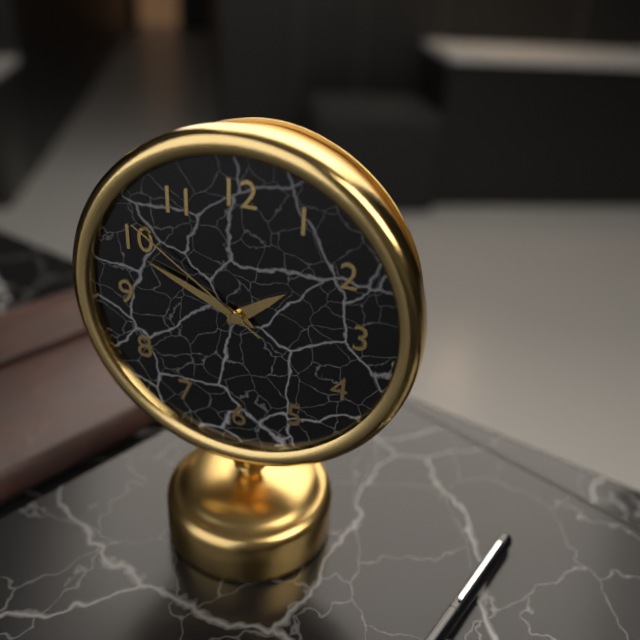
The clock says 1:49:51
